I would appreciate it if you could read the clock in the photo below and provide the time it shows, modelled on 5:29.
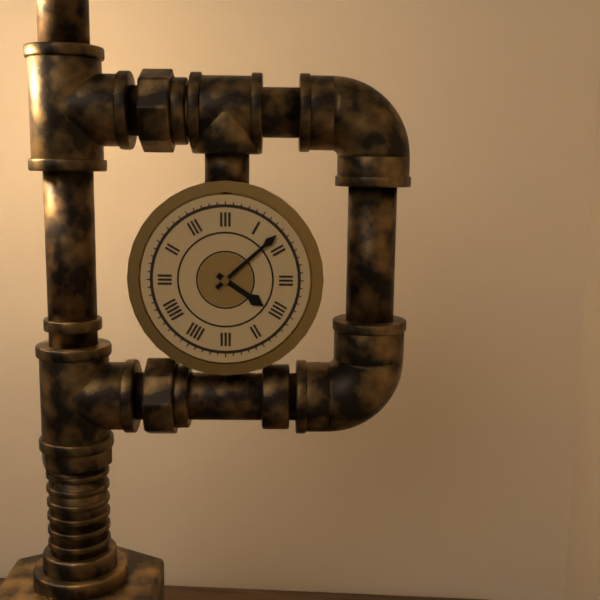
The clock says 4:08
